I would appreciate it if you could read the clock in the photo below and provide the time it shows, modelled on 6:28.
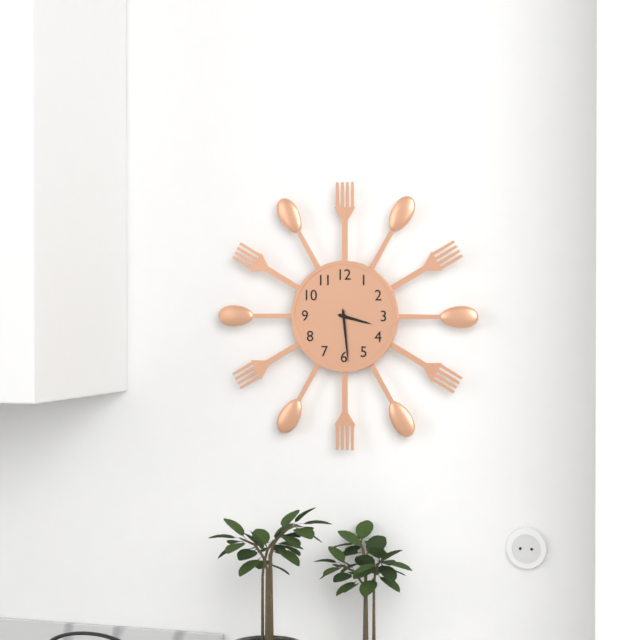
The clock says 3:29
